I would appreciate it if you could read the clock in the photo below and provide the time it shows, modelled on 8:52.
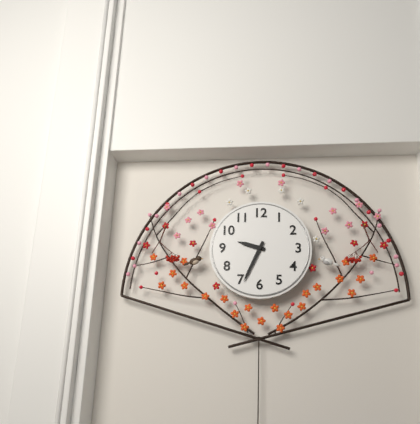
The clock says 9:34
